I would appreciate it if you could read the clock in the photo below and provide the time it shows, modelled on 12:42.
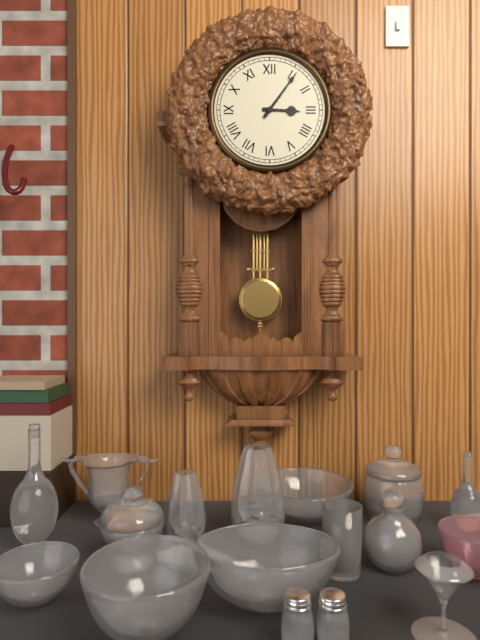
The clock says 3:06
